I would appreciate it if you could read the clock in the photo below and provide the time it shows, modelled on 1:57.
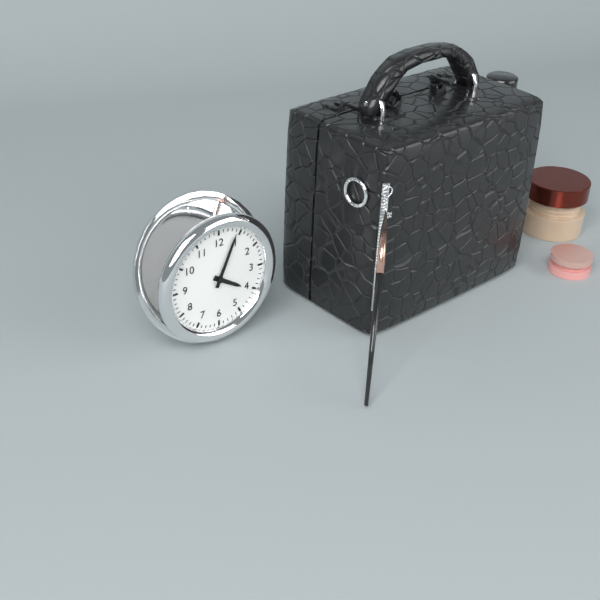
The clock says 4:04
